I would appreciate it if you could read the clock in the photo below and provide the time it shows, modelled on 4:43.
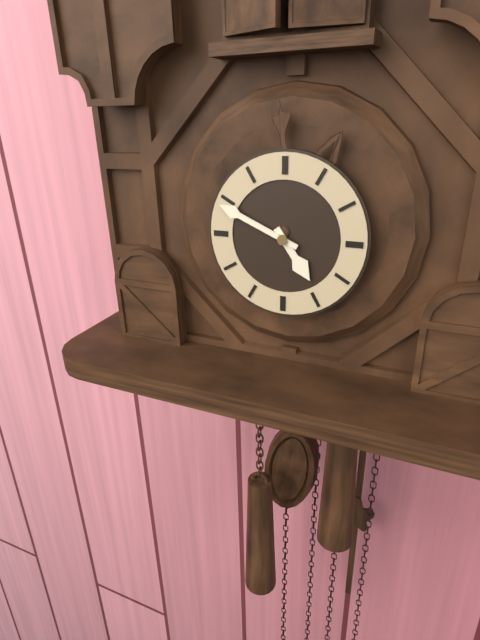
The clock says 4:49
